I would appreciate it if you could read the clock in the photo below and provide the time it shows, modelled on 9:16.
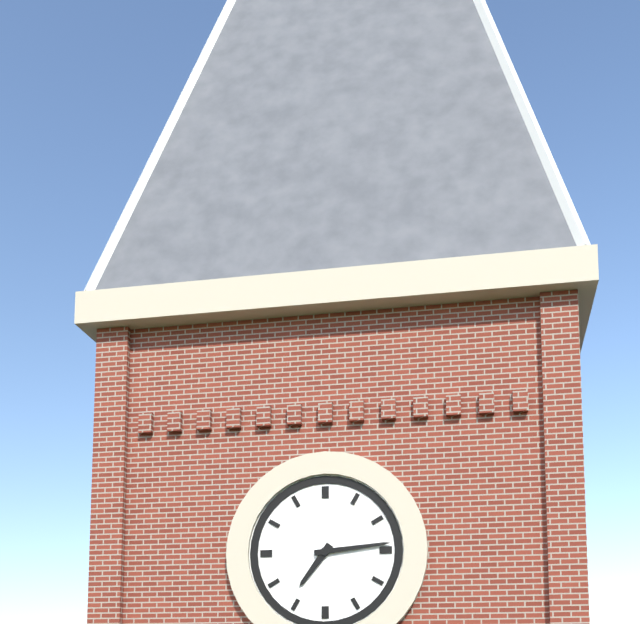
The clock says 7:14
